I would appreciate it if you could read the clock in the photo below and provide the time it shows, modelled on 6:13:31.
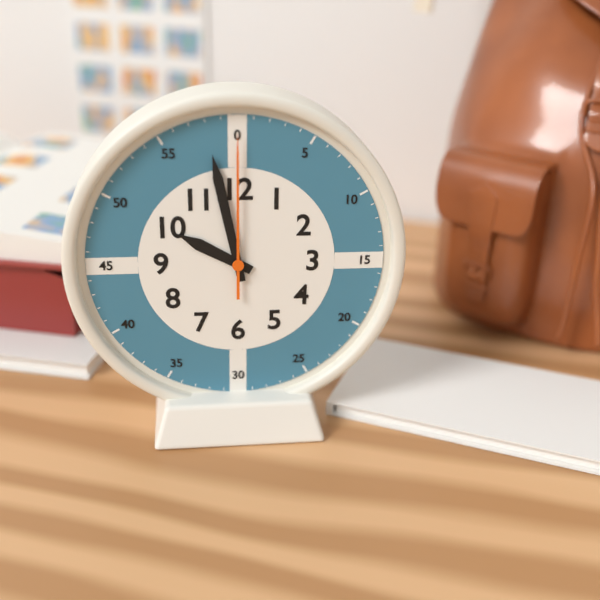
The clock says 9:58:00
